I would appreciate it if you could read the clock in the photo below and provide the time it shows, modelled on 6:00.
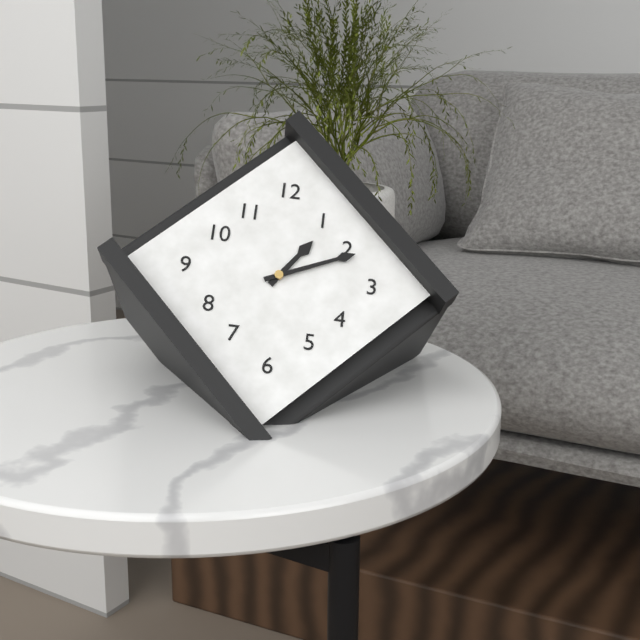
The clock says 1:11
